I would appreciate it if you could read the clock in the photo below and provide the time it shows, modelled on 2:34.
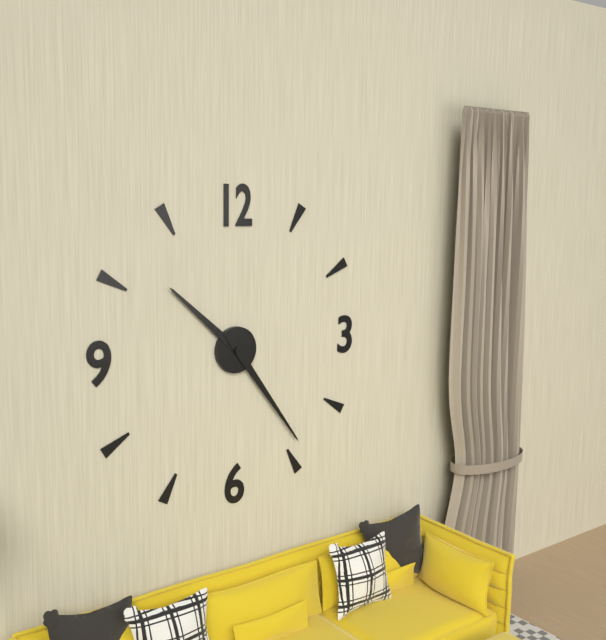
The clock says 10:24
